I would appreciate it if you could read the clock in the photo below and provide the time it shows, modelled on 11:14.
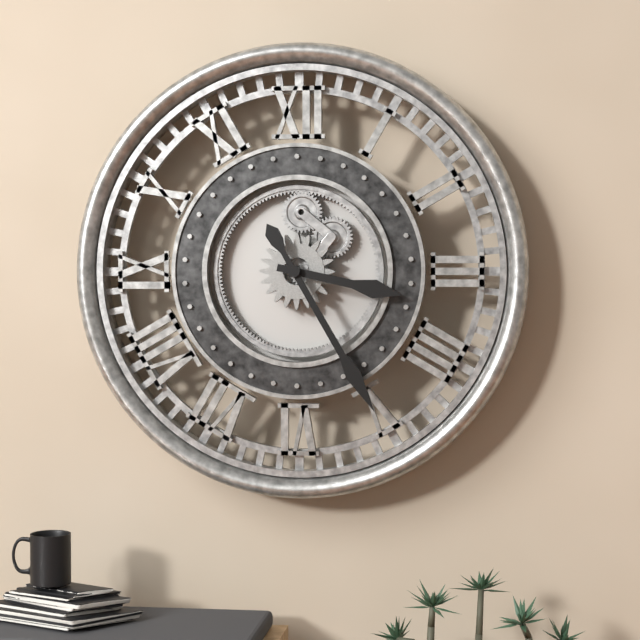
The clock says 3:25
